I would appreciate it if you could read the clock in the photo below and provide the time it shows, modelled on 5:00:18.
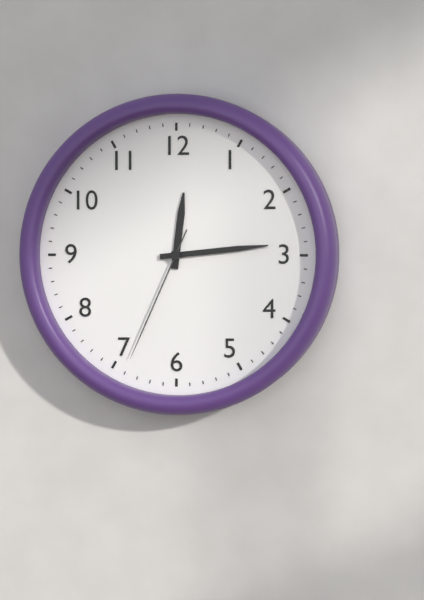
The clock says 12:14:34
